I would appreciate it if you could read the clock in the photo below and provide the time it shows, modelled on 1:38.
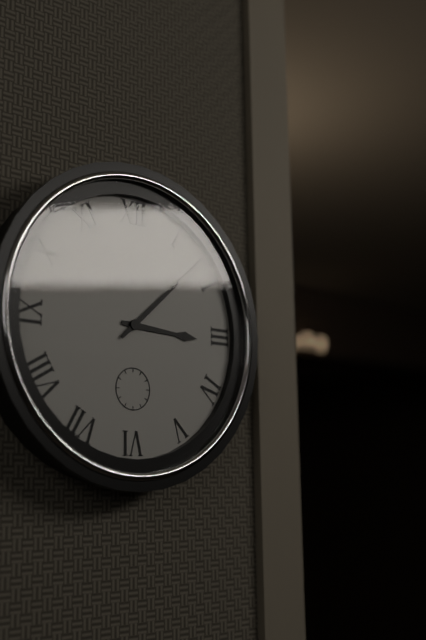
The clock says 3:08
